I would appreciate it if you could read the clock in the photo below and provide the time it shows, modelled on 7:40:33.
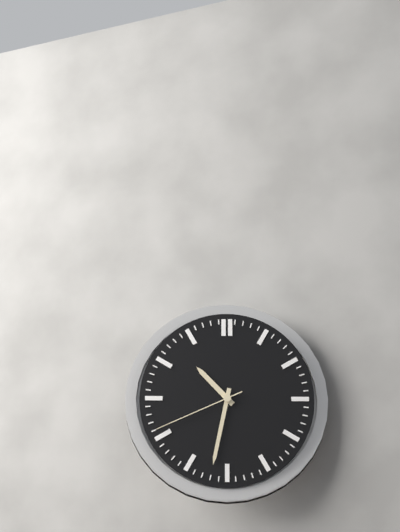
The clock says 10:32:41
